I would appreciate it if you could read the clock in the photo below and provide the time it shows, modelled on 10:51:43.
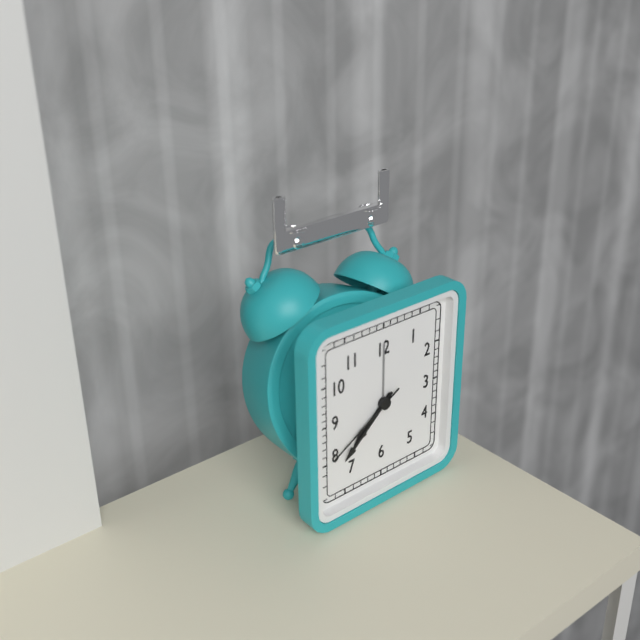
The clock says 7:38:40
